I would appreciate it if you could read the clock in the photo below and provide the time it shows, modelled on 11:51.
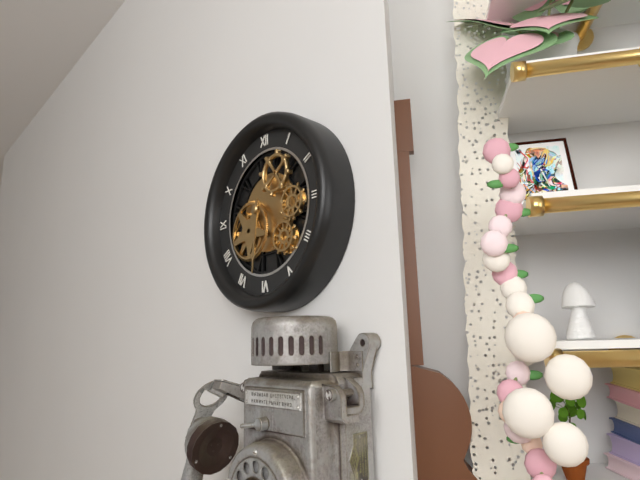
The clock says 6:31
